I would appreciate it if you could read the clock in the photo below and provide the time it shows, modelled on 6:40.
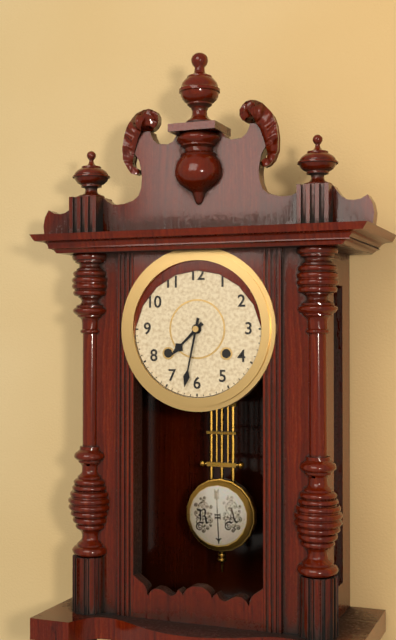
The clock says 7:32
